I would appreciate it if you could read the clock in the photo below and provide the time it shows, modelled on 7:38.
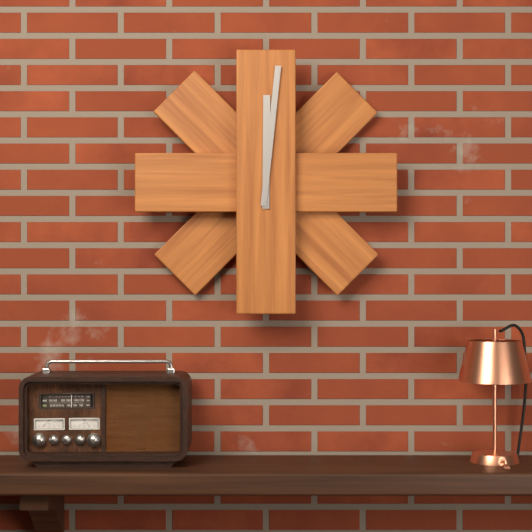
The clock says 12:01
